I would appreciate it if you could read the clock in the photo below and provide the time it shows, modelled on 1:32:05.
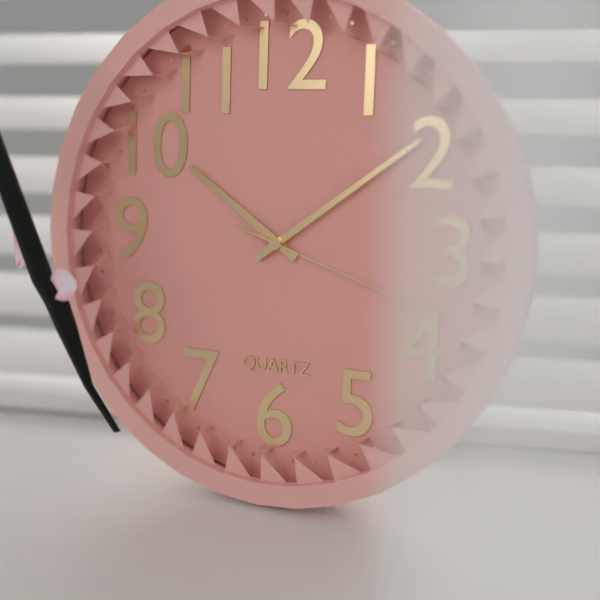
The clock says 10:09:18
